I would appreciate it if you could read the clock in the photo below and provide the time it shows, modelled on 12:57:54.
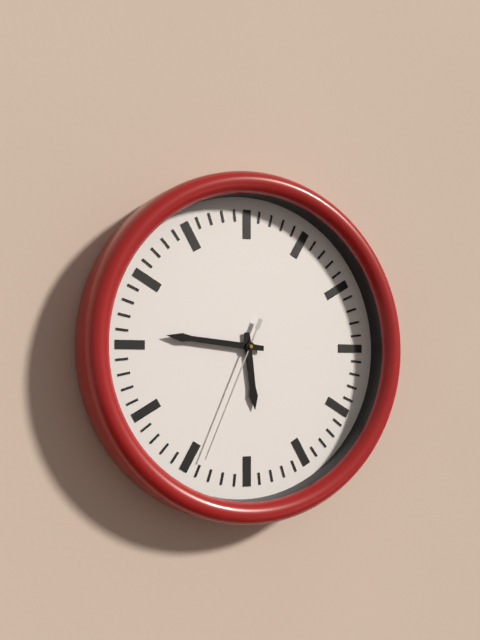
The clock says 5:46:34
